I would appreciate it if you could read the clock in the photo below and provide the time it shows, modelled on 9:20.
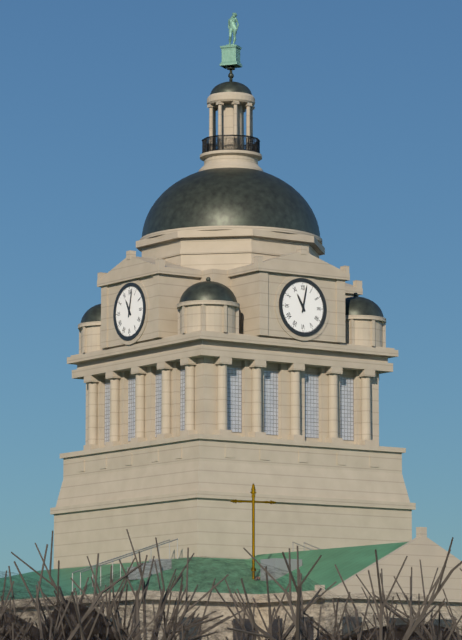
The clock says 11:02
